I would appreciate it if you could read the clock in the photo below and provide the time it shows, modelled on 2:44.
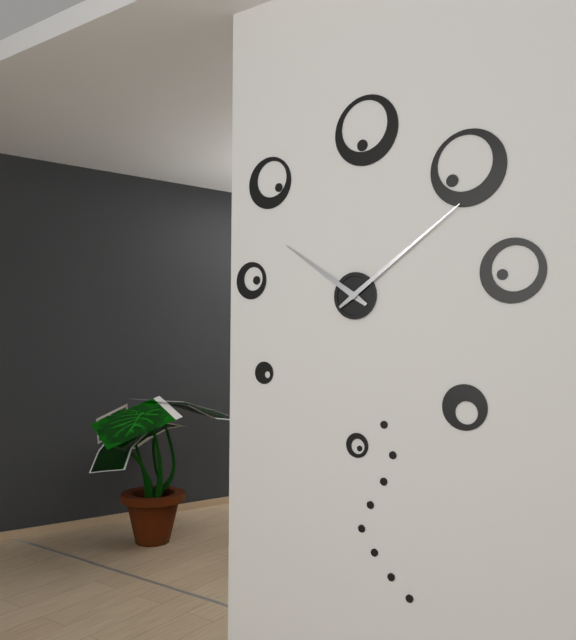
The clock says 10:09
